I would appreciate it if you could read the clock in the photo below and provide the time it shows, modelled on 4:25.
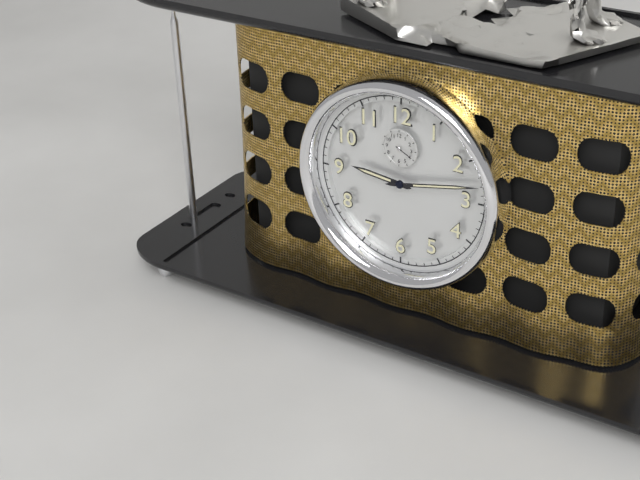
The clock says 9:13
